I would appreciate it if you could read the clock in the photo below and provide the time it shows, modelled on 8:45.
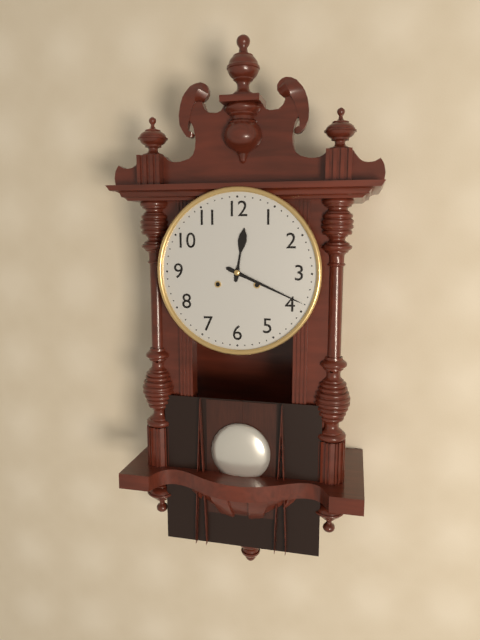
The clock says 12:19
